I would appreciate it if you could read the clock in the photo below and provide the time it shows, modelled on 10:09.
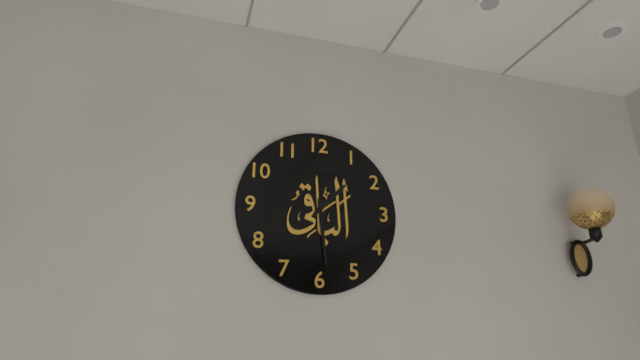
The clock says 1:29
